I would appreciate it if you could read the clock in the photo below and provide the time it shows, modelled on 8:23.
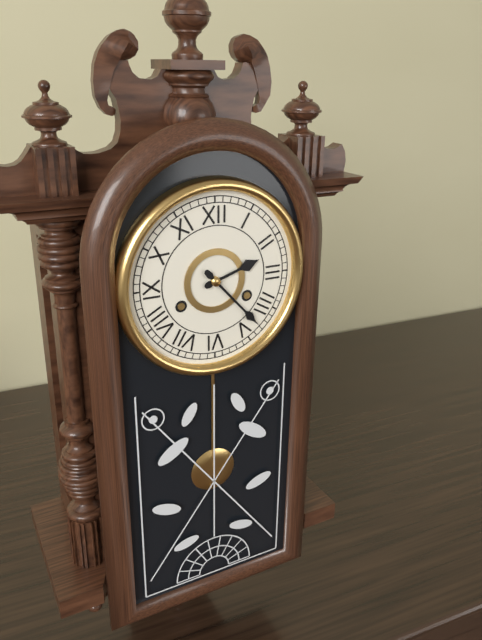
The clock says 2:23
